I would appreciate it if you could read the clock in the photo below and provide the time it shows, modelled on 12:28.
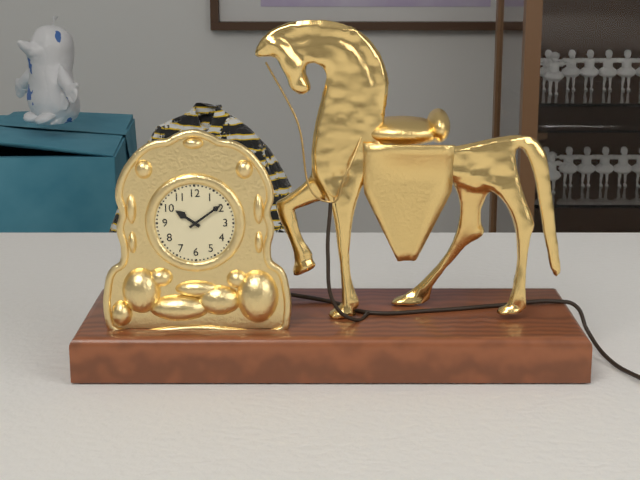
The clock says 10:09
